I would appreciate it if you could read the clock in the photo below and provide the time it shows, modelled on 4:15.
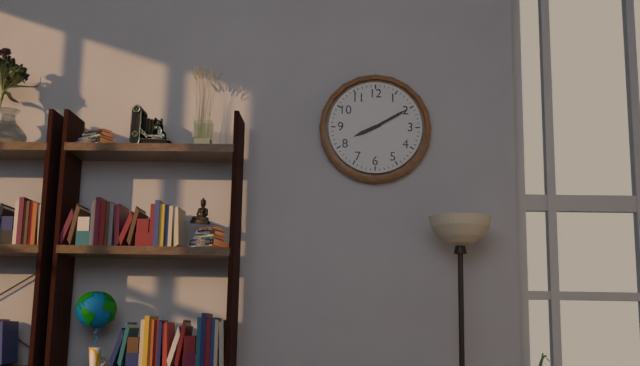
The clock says 8:10
